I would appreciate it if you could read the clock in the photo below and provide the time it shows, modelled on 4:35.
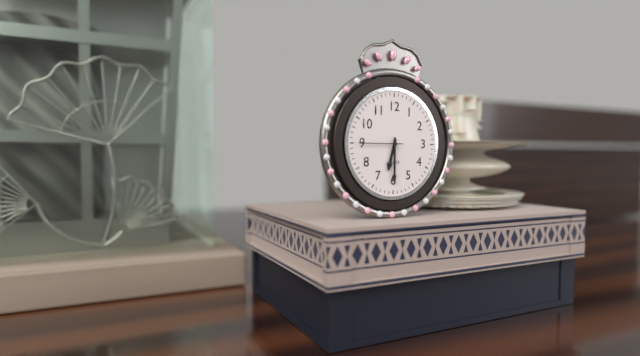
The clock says 6:30
